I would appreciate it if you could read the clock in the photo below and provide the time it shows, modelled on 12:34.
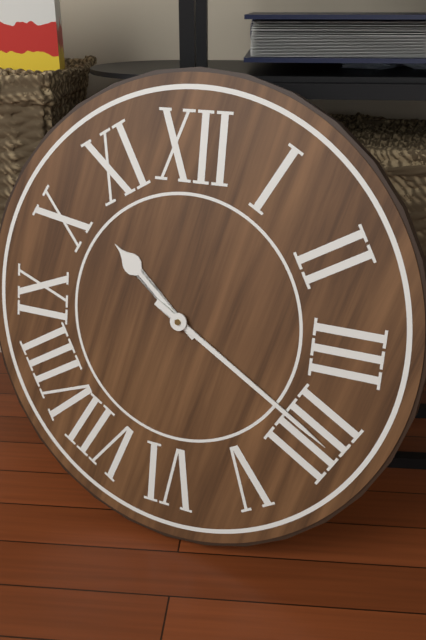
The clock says 10:20
